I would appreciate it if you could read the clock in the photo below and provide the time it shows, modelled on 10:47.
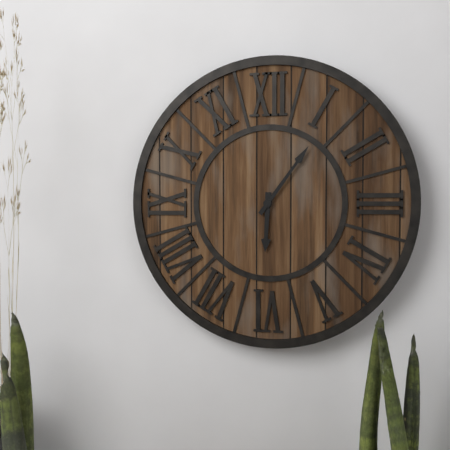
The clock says 6:06
